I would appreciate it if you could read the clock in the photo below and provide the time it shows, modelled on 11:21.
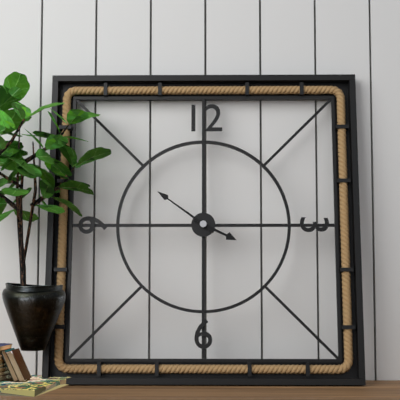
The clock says 3:51
